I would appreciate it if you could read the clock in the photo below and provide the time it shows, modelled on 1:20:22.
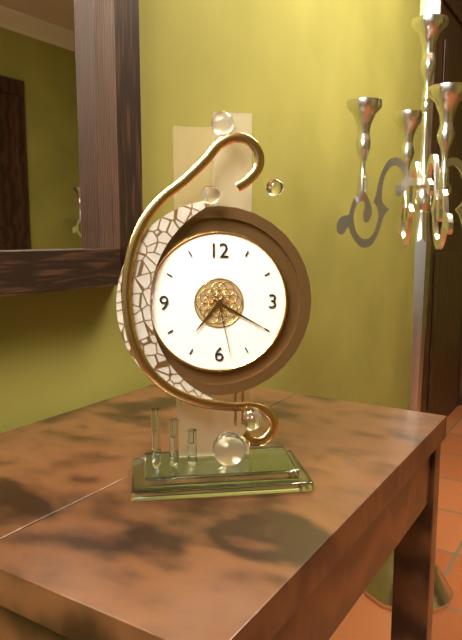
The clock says 7:20:28
